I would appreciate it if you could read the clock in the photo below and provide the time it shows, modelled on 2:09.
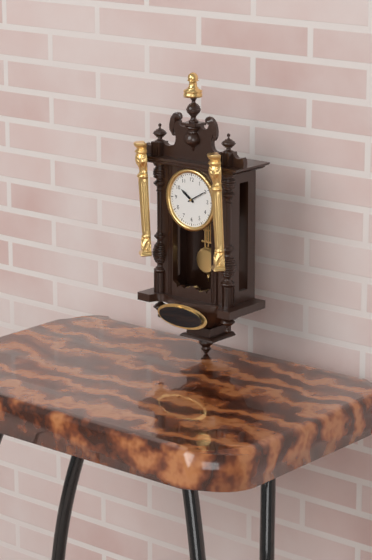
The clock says 10:10
